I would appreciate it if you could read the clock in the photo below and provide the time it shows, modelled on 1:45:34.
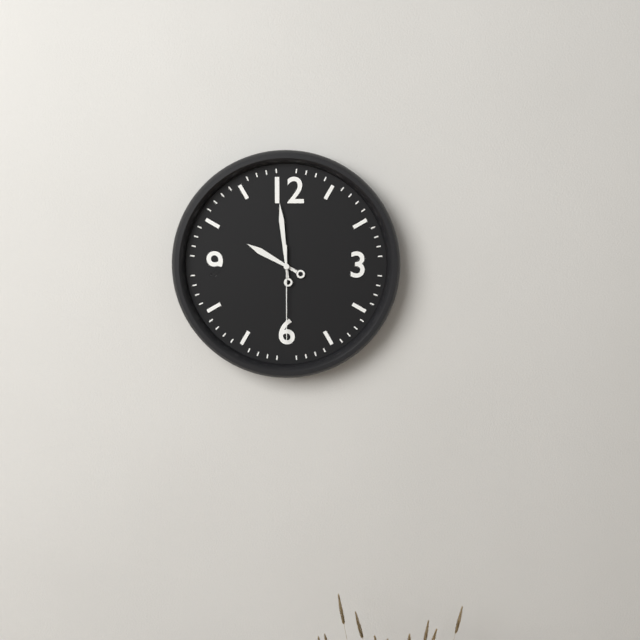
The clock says 9:59:30
